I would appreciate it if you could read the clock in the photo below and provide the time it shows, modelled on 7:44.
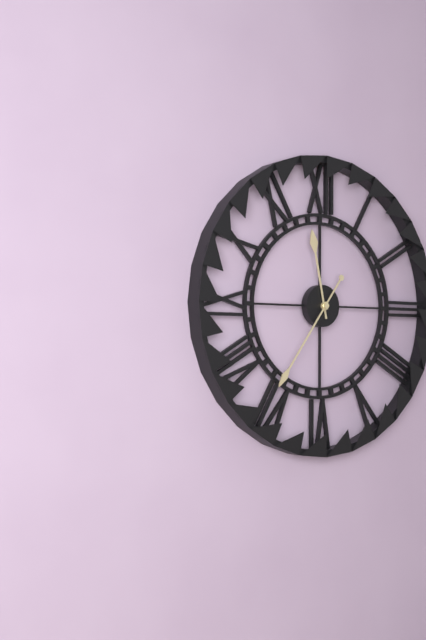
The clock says 11:36
